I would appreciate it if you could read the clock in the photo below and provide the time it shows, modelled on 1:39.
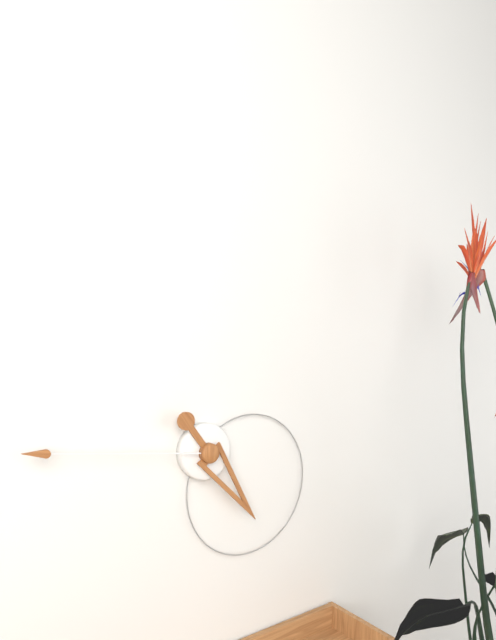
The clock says 4:46
